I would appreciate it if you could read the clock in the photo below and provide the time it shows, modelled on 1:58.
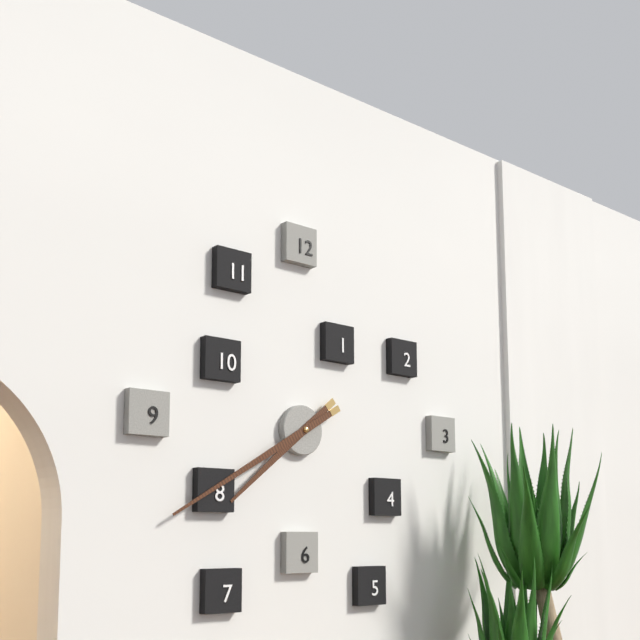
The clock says 7:40
